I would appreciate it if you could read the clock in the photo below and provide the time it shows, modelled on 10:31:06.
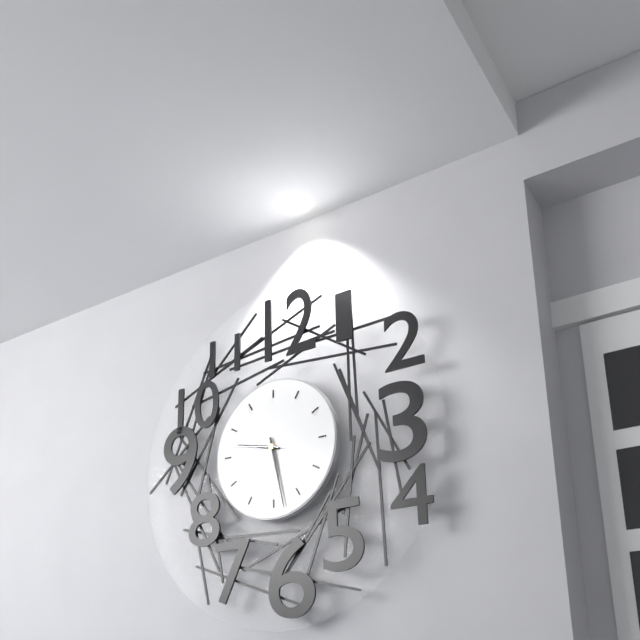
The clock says 9:28:47
